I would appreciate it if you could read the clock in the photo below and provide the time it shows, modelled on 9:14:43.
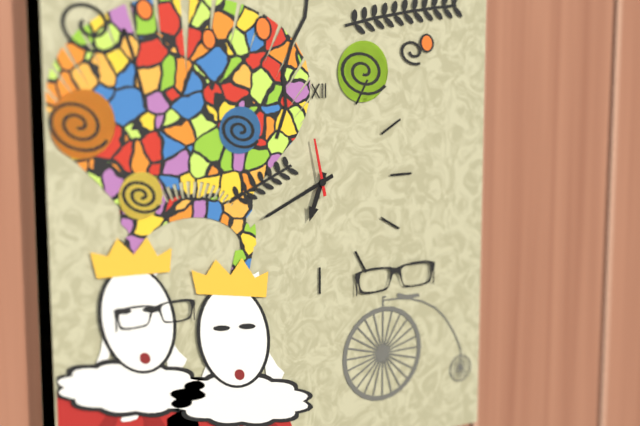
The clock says 6:41:58
